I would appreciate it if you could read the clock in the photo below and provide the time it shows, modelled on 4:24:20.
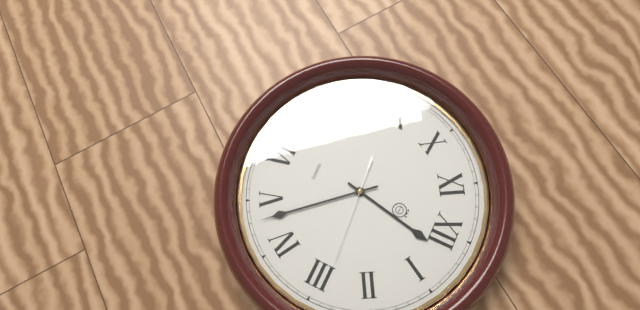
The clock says 12:23:14
